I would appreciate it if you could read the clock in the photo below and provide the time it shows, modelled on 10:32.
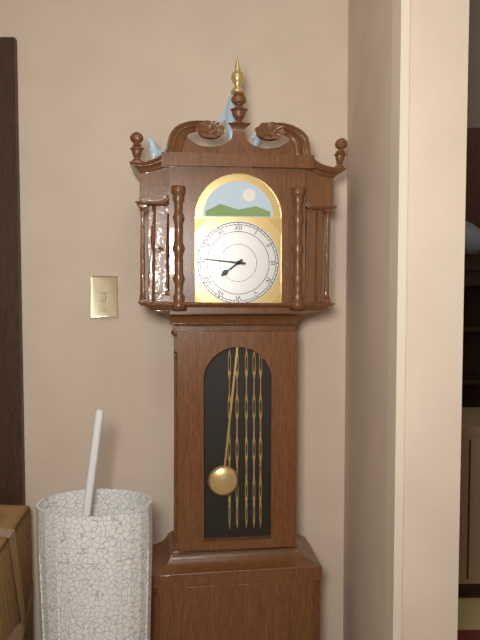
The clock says 7:46
